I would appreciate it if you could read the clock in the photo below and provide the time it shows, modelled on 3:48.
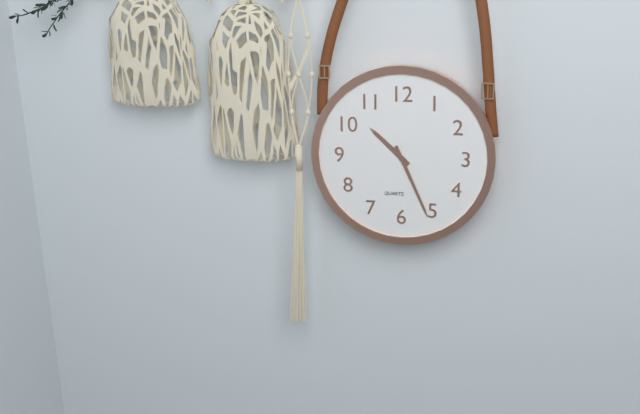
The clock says 10:26
